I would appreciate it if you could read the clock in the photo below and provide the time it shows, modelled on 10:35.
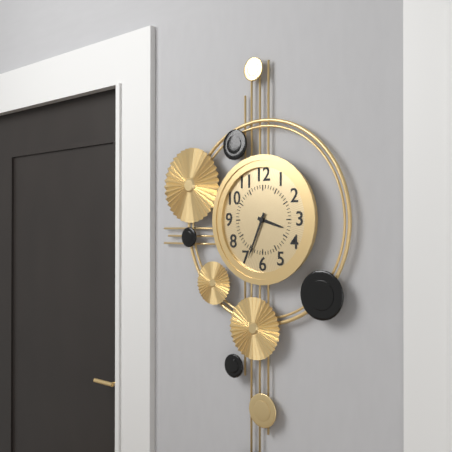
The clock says 3:34
